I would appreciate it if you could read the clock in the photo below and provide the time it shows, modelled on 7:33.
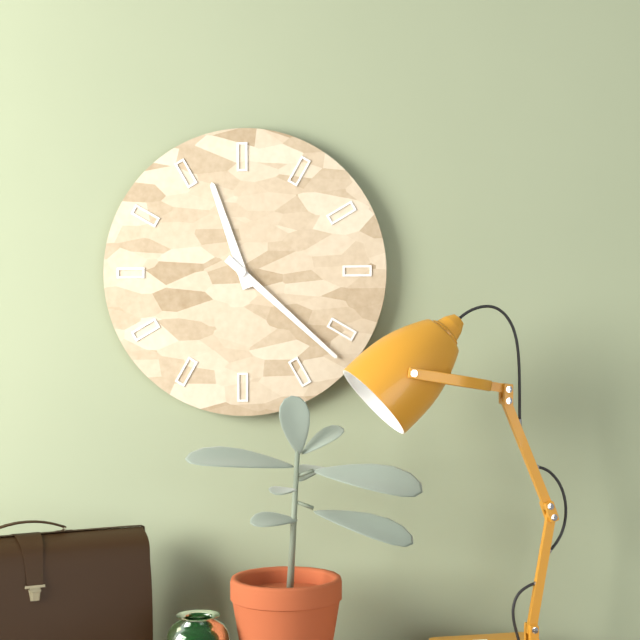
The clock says 11:22
